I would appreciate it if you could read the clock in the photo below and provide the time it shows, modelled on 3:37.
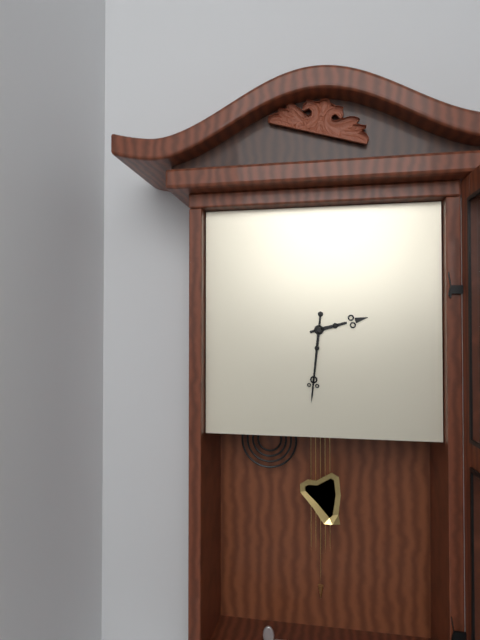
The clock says 2:31
